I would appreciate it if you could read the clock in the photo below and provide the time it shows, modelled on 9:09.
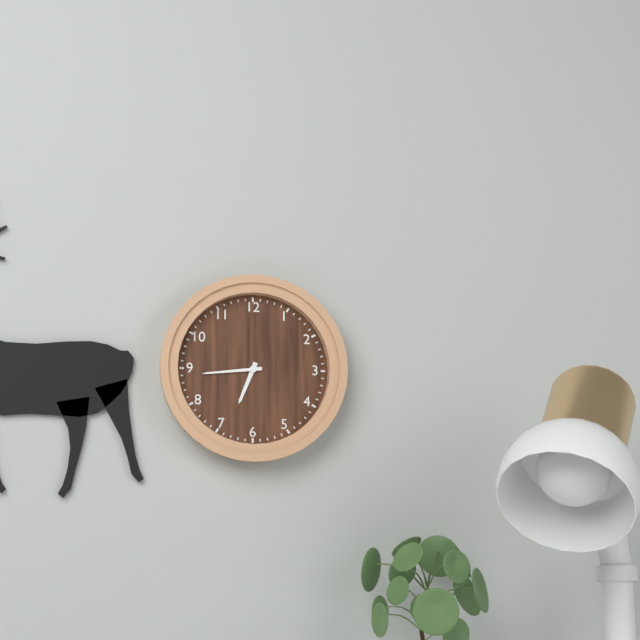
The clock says 6:44
